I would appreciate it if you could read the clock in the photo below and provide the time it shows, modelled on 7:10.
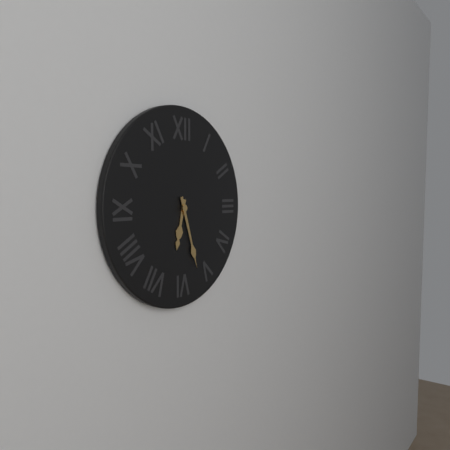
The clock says 6:27
